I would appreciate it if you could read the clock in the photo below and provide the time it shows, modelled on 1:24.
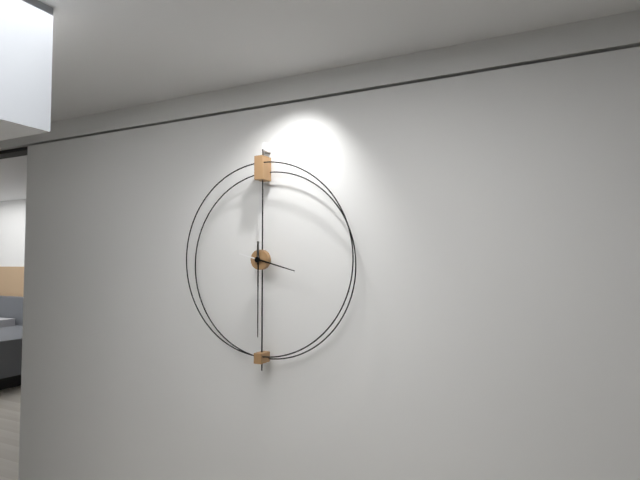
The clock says 3:30
